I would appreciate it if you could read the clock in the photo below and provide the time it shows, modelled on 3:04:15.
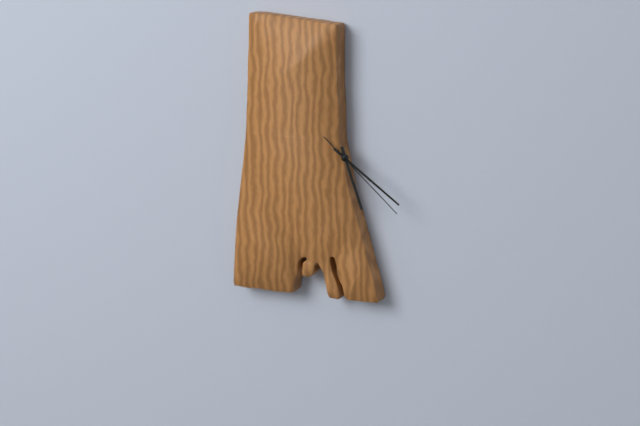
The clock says 5:21:22
